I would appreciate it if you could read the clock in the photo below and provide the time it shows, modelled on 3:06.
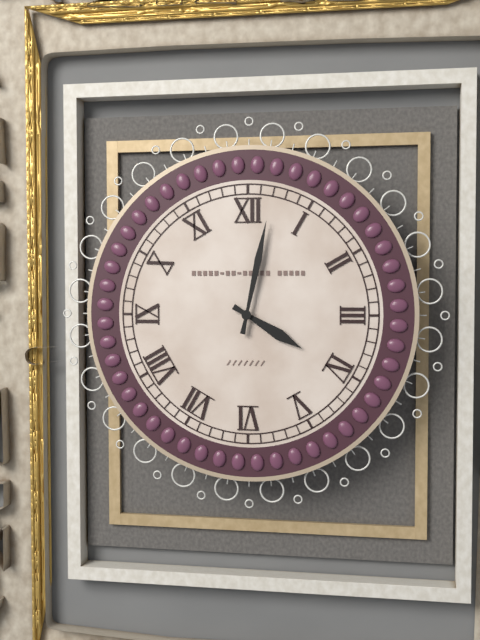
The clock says 4:02
